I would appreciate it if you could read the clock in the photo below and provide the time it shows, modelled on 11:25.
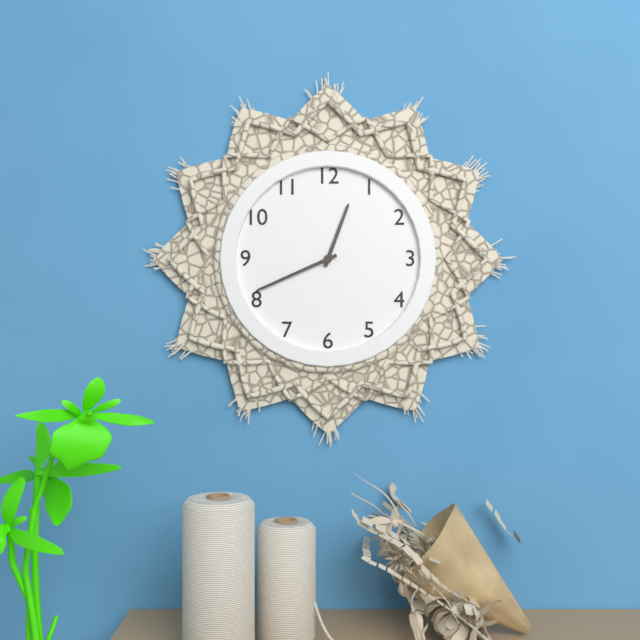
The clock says 12:41
